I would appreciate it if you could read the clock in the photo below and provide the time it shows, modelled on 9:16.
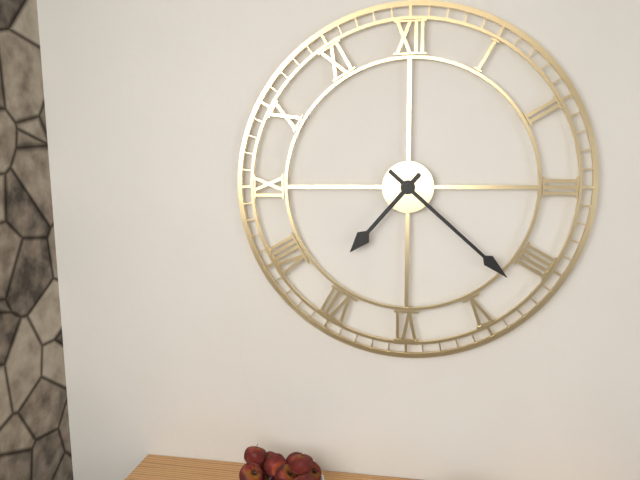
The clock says 7:22
